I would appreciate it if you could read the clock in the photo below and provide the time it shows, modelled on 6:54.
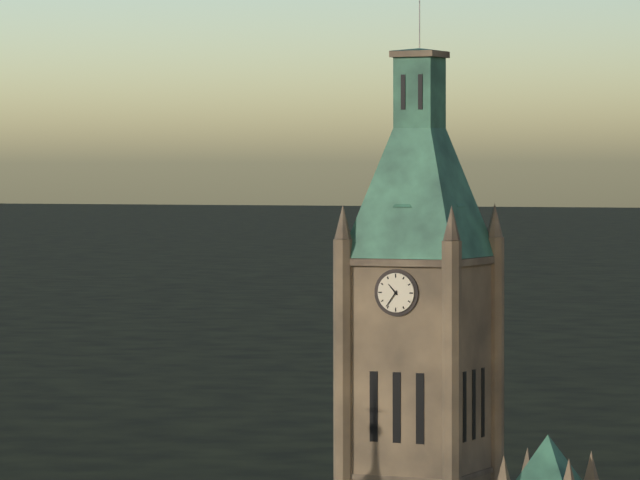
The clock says 10:36
